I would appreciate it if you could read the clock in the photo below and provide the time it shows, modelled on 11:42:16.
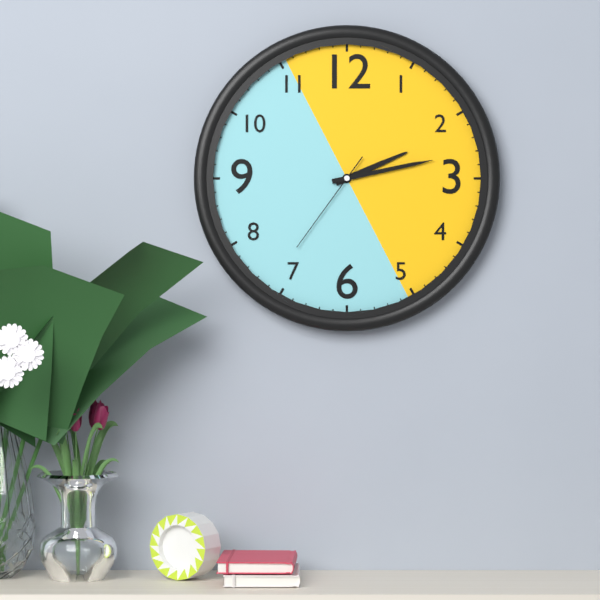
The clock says 2:13:36
